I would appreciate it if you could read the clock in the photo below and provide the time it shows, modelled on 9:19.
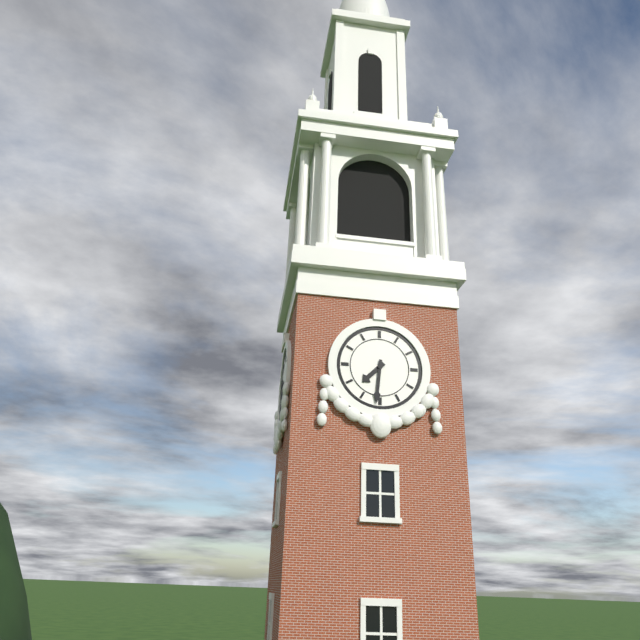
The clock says 7:31
